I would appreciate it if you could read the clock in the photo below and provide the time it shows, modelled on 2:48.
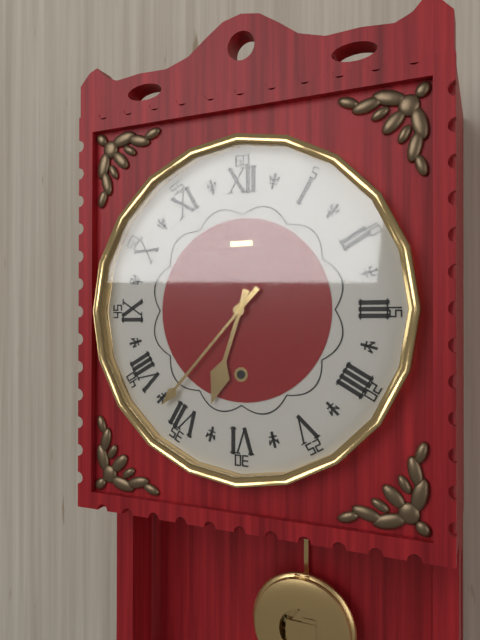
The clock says 6:37
